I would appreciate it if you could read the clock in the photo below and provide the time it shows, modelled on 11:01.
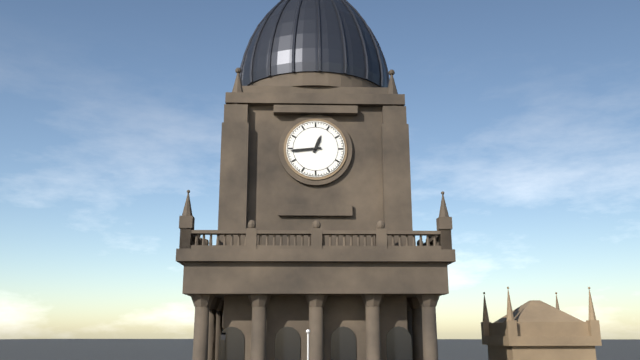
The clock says 12:44
